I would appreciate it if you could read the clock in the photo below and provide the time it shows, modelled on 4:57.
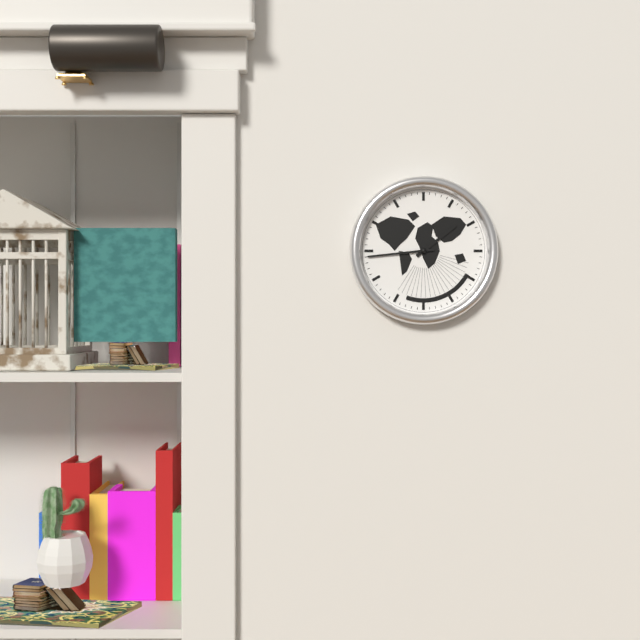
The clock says 1:44
